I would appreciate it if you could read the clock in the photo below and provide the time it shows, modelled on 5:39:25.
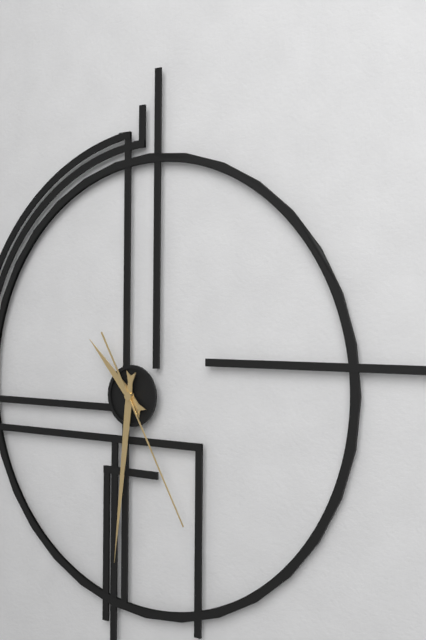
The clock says 10:31:25
